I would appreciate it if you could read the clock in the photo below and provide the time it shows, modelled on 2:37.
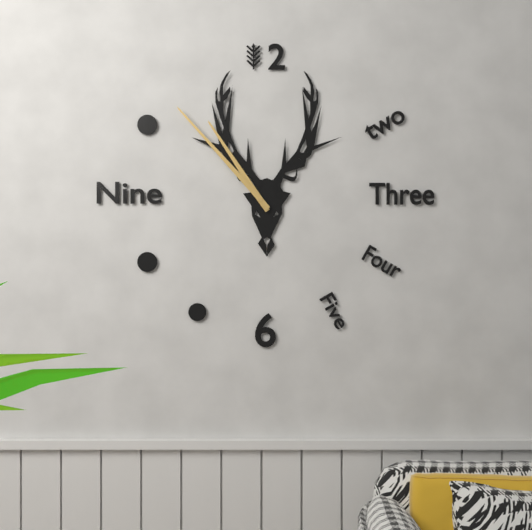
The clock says 10:53
